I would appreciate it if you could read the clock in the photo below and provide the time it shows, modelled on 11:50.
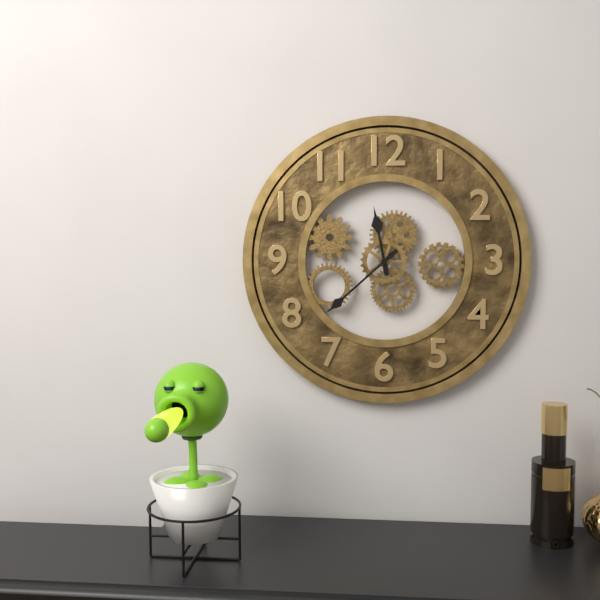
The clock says 11:38
